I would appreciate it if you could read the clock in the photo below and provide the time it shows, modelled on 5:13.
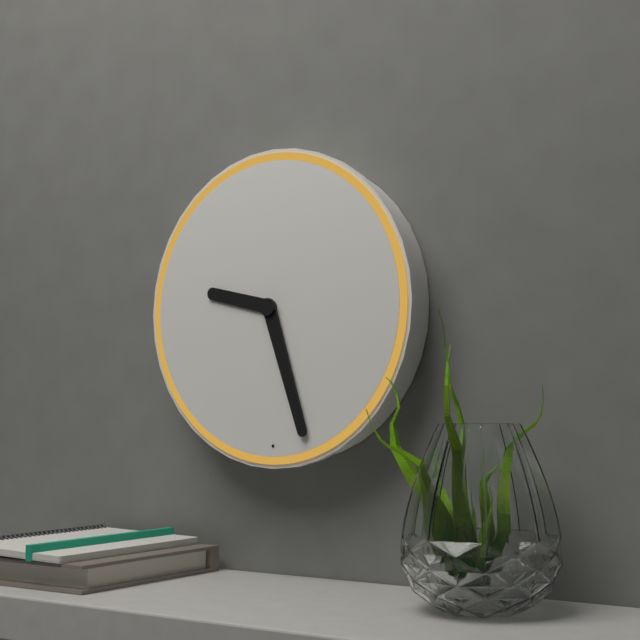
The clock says 9:27
